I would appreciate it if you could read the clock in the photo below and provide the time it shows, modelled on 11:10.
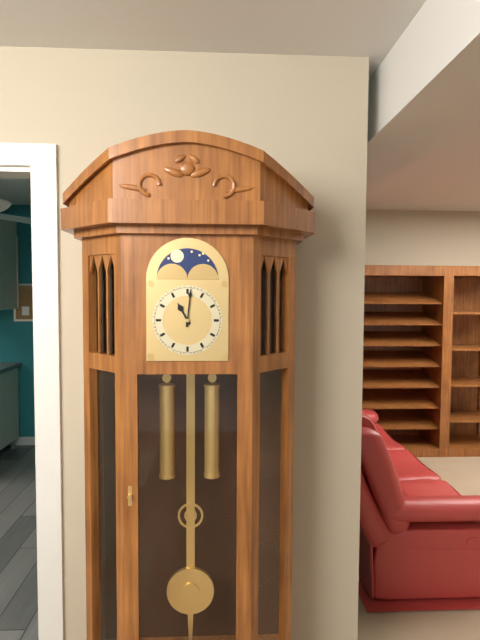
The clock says 11:01
